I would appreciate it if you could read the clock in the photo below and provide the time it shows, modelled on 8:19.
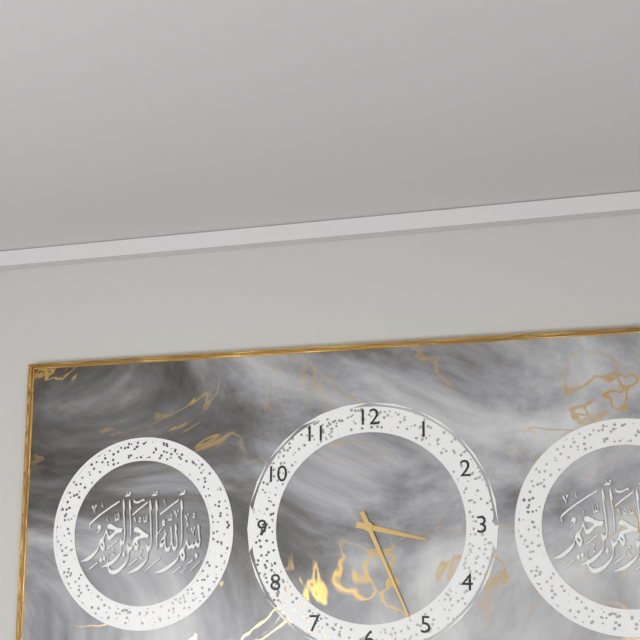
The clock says 3:26
